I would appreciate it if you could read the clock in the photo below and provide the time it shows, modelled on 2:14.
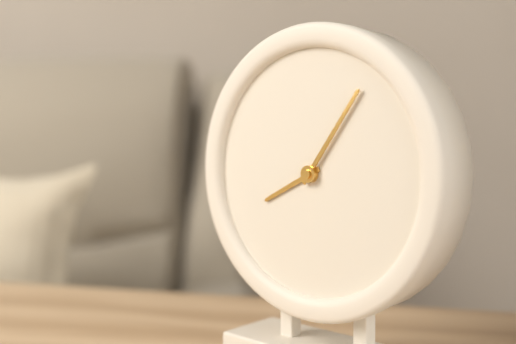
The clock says 8:06
